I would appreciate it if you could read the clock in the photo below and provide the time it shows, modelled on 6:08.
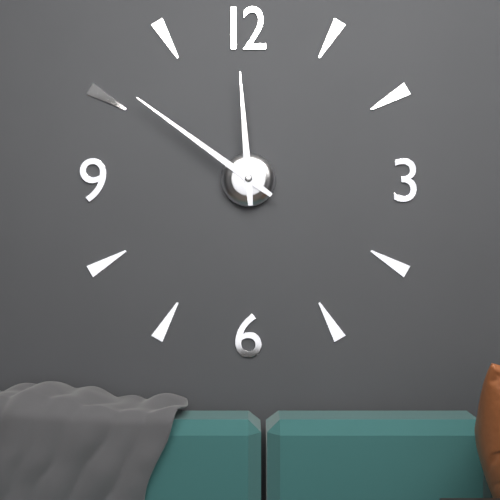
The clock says 11:51
